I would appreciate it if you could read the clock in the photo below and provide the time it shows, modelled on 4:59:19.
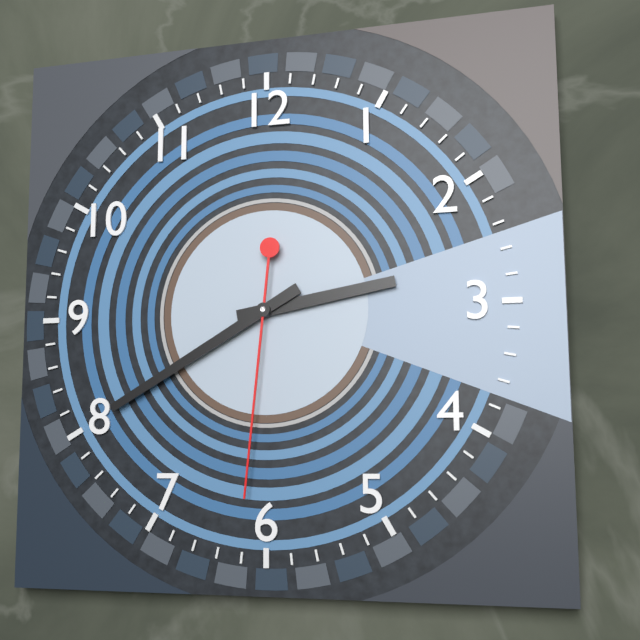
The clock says 2:40:31
